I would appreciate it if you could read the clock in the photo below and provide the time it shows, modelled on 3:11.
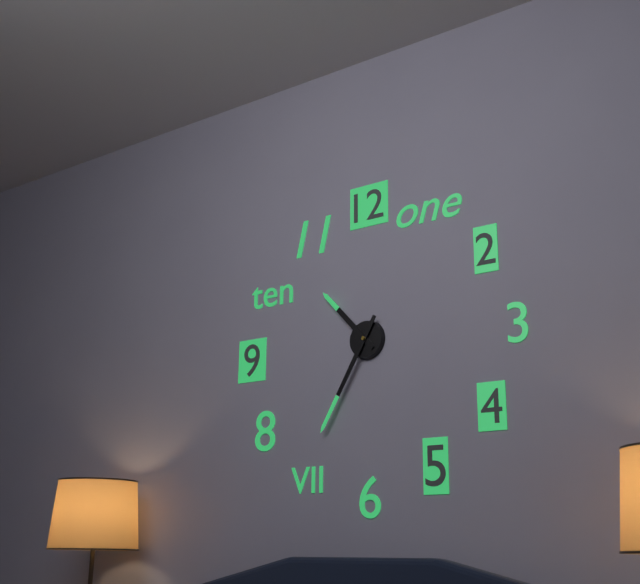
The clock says 10:35
